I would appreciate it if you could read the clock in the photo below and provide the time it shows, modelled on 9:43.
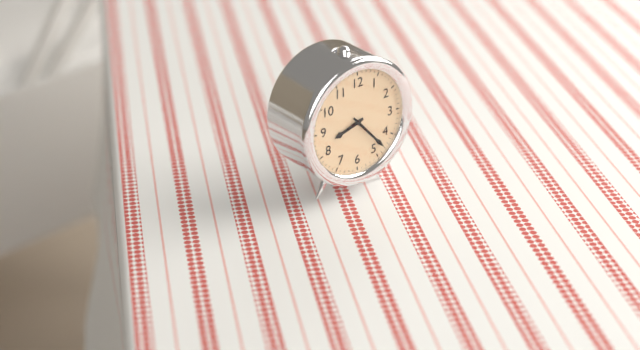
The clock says 8:23
